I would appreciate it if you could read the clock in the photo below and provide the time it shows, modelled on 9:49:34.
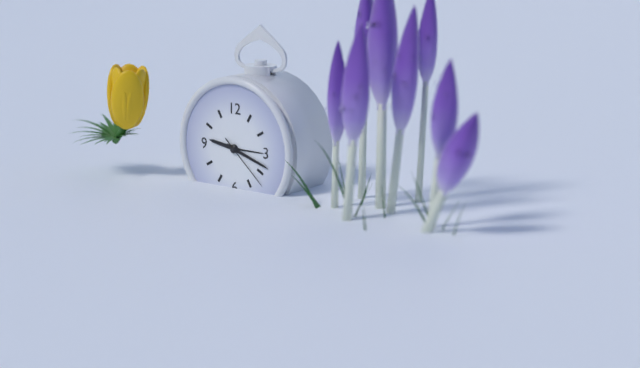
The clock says 9:18:22
